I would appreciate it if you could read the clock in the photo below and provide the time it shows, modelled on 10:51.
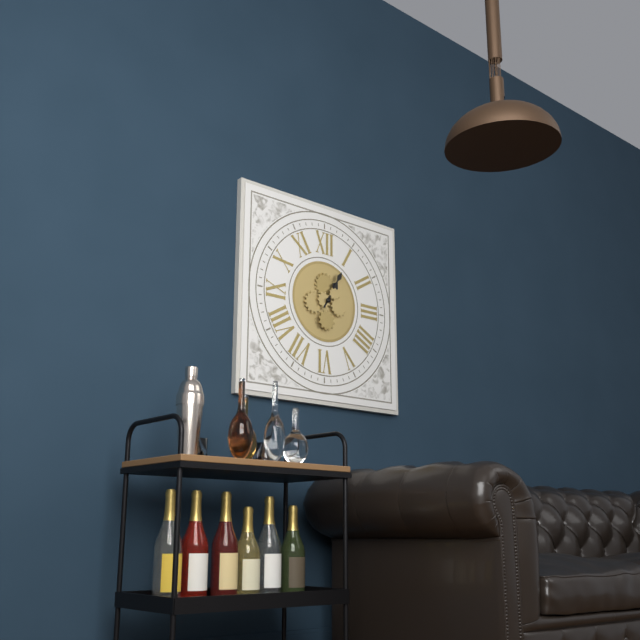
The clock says 1:05
